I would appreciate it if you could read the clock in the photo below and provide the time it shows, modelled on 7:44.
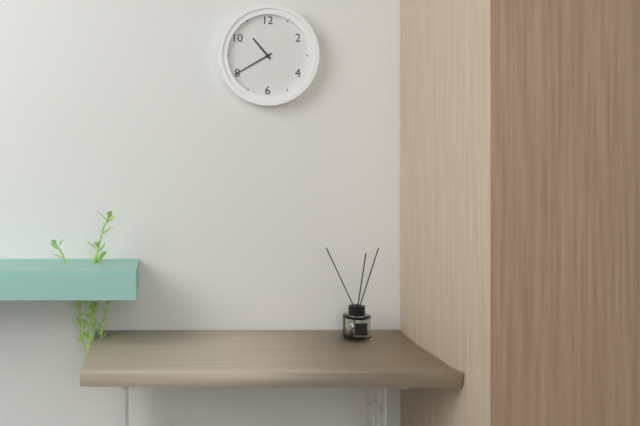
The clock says 10:40
